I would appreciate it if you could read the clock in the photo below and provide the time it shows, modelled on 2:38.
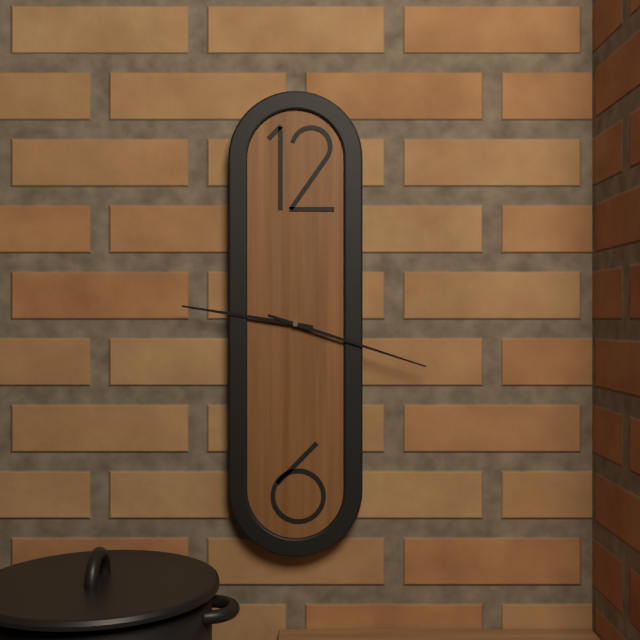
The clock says 9:18
